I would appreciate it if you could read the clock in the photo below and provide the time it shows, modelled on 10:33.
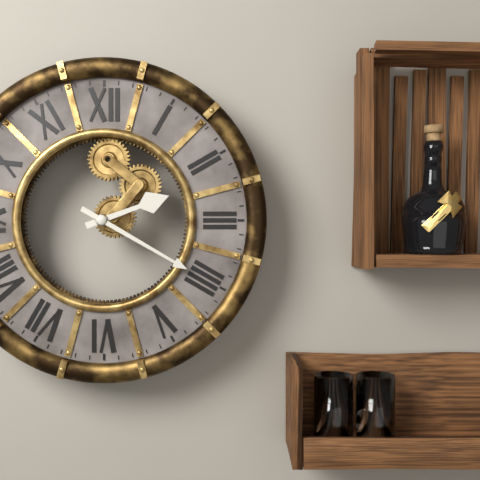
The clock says 2:20
